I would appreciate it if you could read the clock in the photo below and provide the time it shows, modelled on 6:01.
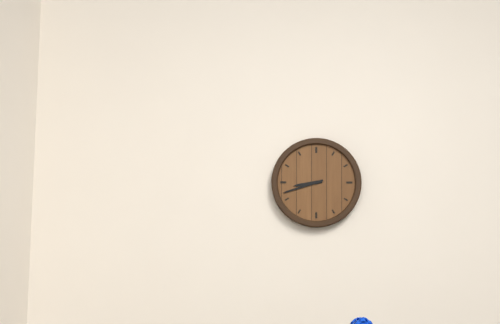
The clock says 8:42
